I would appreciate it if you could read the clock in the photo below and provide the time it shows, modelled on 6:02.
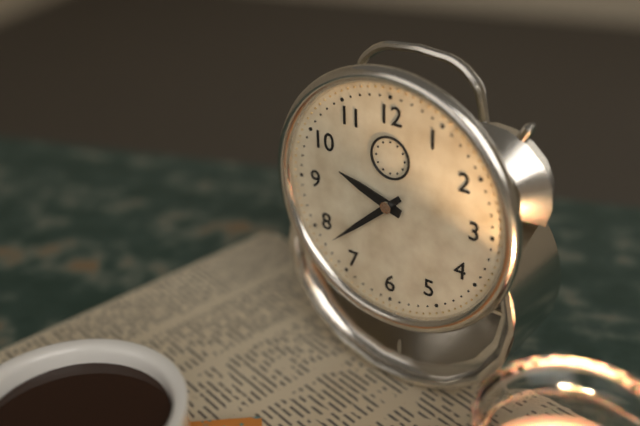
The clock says 9:38
